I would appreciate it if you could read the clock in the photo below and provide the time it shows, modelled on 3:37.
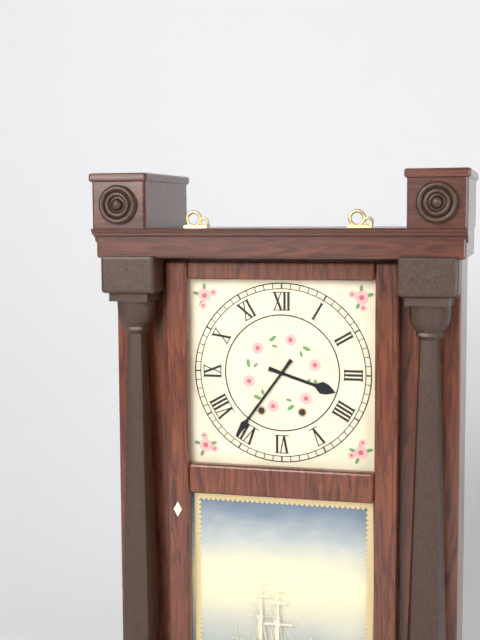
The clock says 3:36
